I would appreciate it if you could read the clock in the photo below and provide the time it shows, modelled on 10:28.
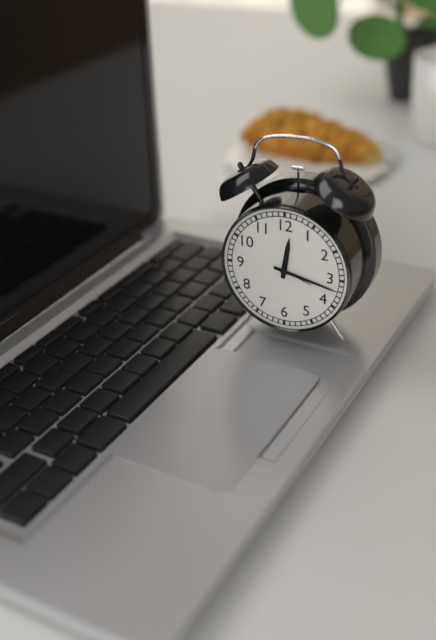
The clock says 12:17
